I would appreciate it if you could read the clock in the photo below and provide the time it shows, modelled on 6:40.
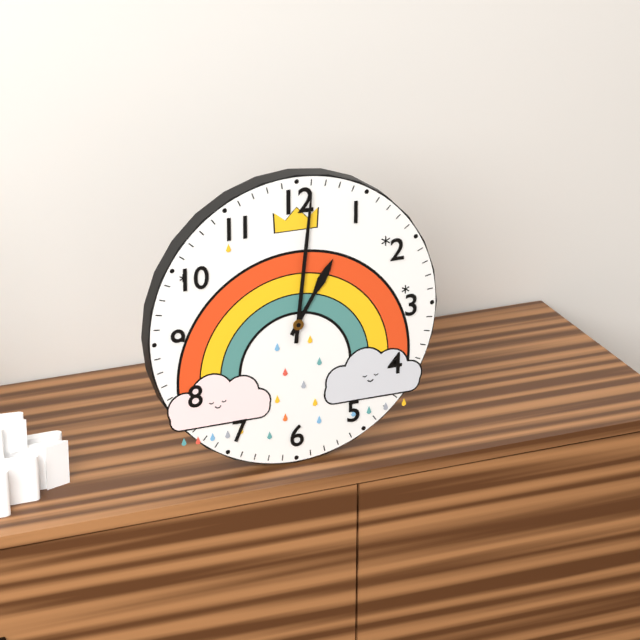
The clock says 1:01
